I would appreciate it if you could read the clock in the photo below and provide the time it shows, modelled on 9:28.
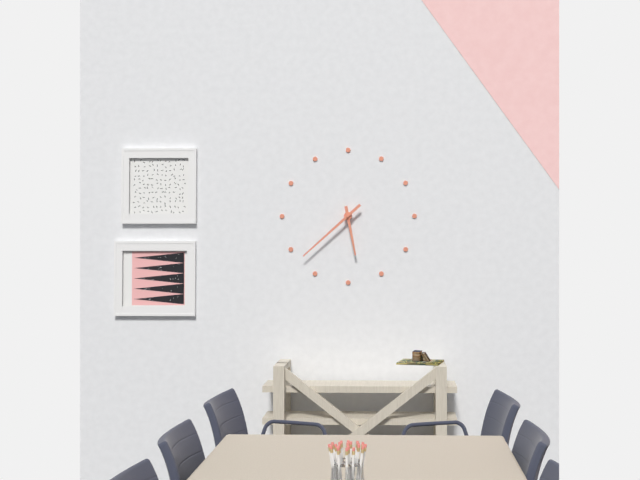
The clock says 5:38
